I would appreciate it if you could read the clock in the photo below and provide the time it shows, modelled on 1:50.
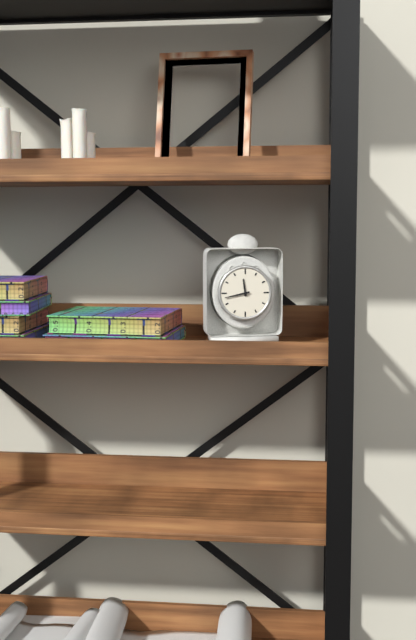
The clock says 11:43
